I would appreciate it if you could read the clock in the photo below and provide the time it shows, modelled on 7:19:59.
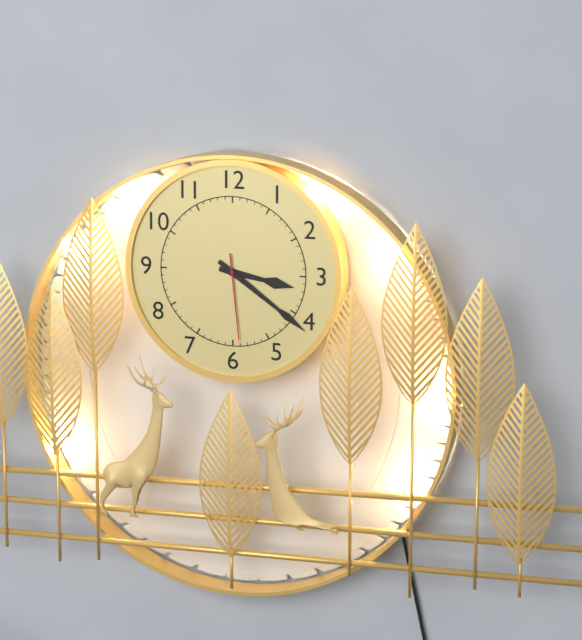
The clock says 3:21:29
